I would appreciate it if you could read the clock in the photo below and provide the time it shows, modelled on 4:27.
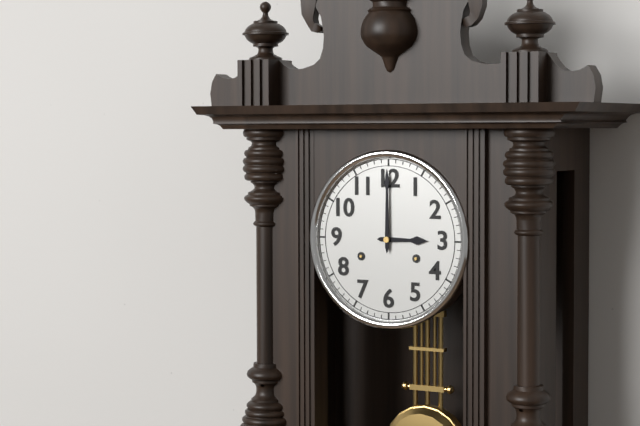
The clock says 3:00
